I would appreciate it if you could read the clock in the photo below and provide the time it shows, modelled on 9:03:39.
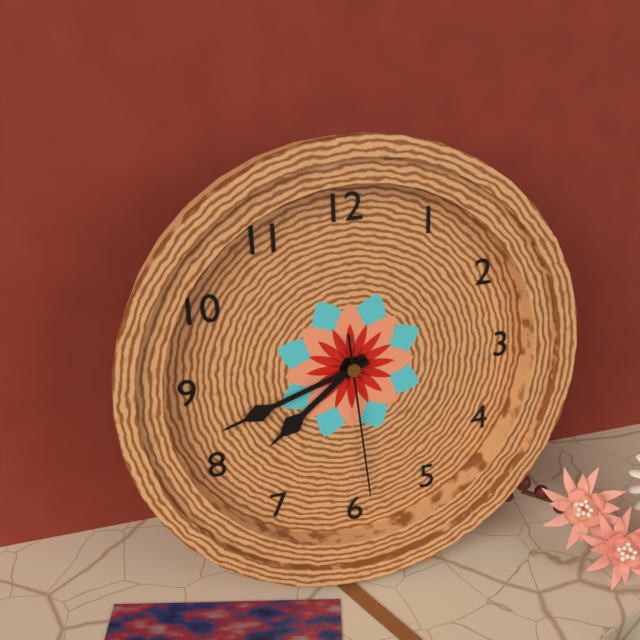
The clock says 7:42:29
